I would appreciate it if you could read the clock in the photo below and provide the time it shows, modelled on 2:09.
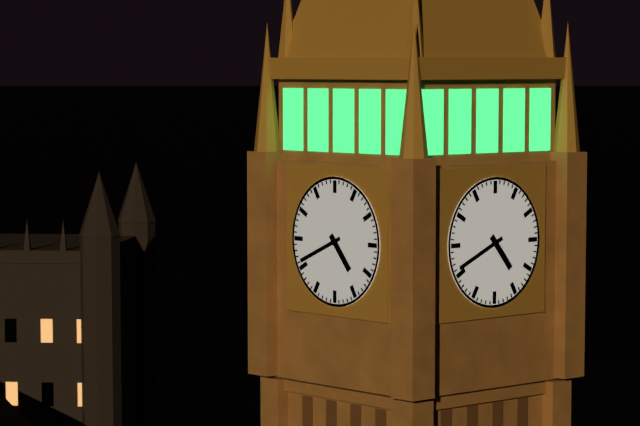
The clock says 4:41
